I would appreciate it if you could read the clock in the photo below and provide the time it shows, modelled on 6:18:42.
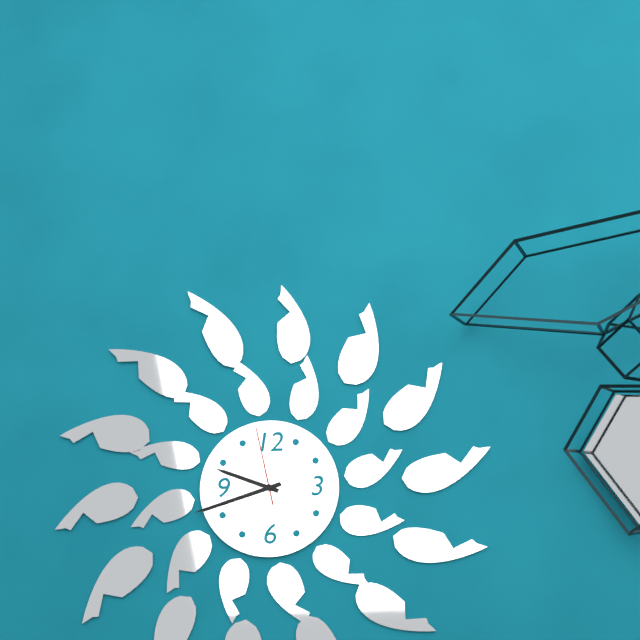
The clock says 9:42:58
